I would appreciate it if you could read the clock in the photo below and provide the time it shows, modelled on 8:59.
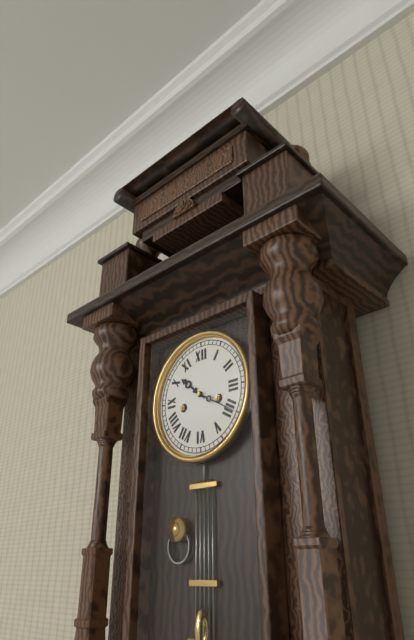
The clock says 10:20
